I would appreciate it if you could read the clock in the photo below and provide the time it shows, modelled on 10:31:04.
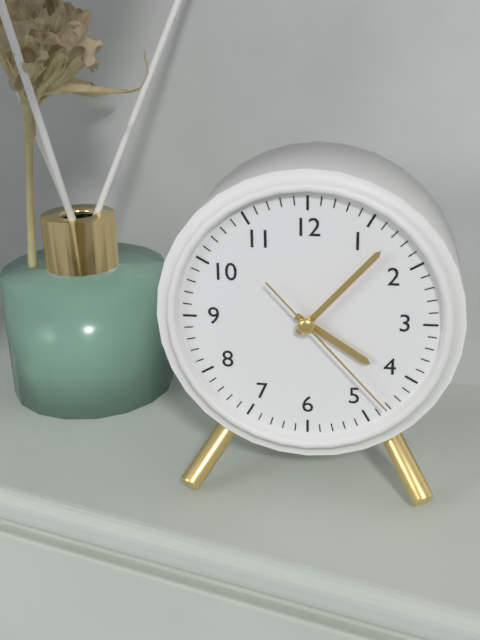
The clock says 4:07:23
